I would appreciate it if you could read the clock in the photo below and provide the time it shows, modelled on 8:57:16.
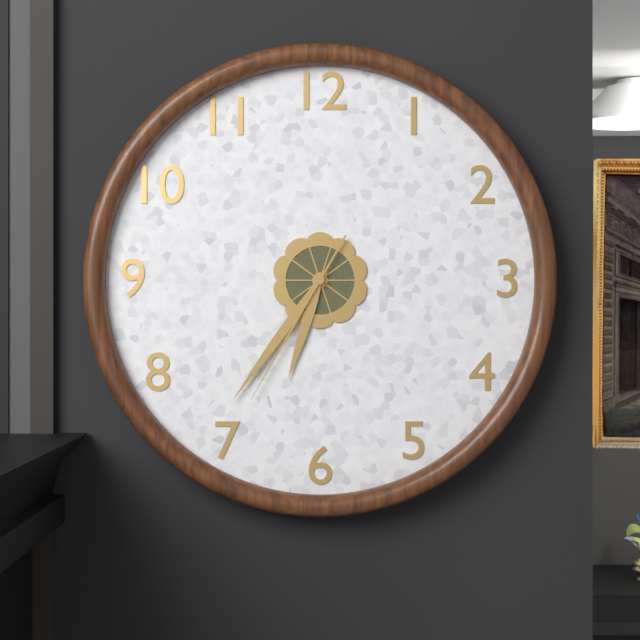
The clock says 6:36:35
